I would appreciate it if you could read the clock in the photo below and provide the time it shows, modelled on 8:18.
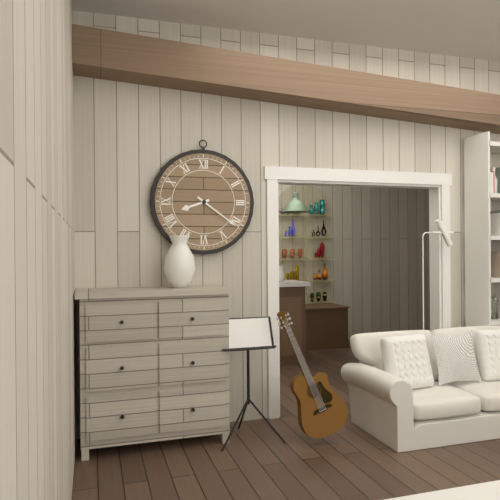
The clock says 8:21
